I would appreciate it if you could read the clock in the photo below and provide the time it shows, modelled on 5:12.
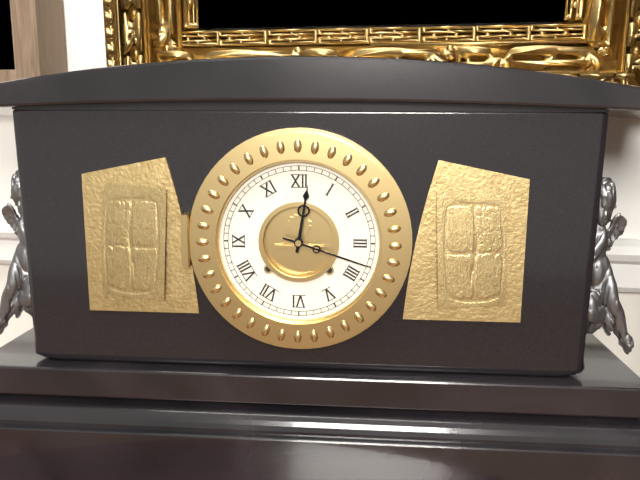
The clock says 12:18
